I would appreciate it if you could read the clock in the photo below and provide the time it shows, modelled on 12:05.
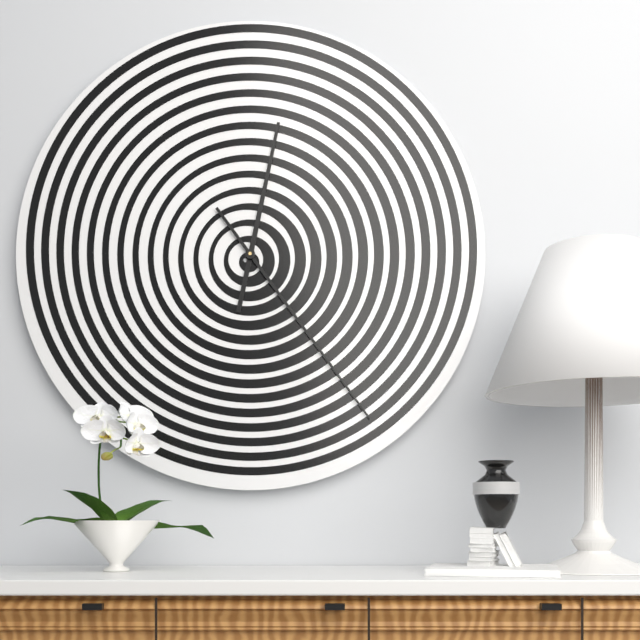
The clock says 12:24
